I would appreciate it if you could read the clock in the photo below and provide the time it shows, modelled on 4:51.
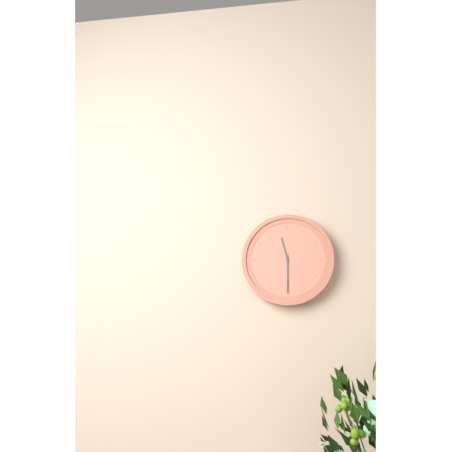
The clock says 11:30
